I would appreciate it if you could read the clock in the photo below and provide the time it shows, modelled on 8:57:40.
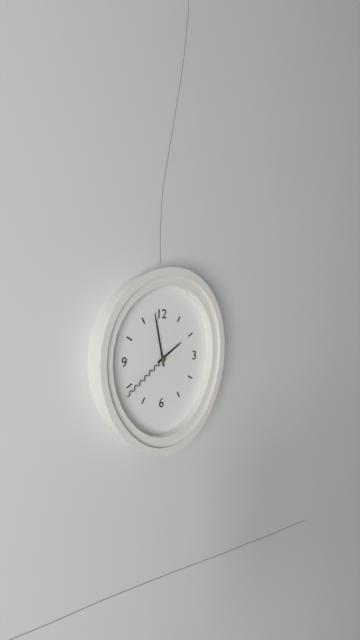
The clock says 1:58:39
